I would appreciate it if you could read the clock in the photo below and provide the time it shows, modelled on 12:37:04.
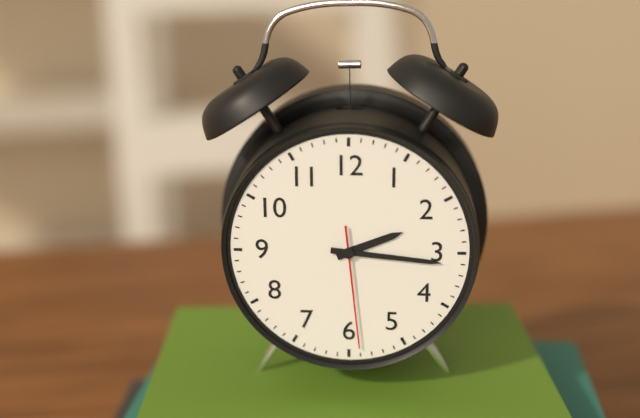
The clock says 2:16:29
